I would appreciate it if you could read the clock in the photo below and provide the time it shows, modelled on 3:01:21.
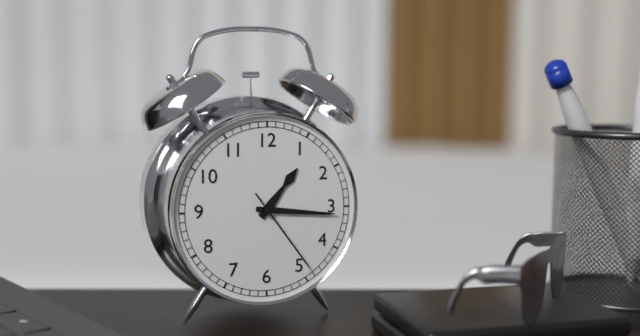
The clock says 1:16:24
